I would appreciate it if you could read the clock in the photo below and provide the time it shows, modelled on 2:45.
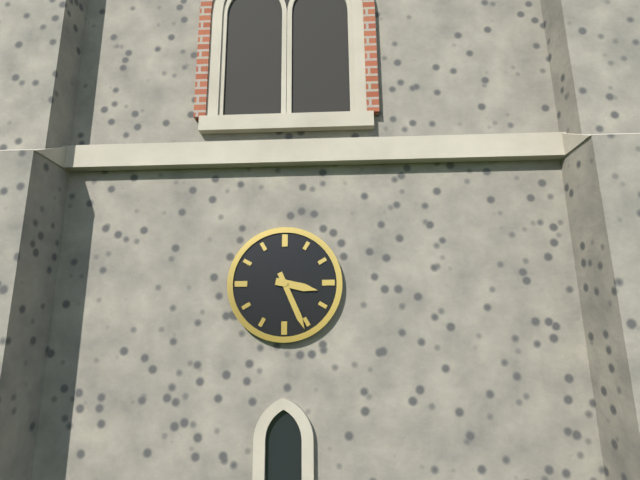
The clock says 3:26
